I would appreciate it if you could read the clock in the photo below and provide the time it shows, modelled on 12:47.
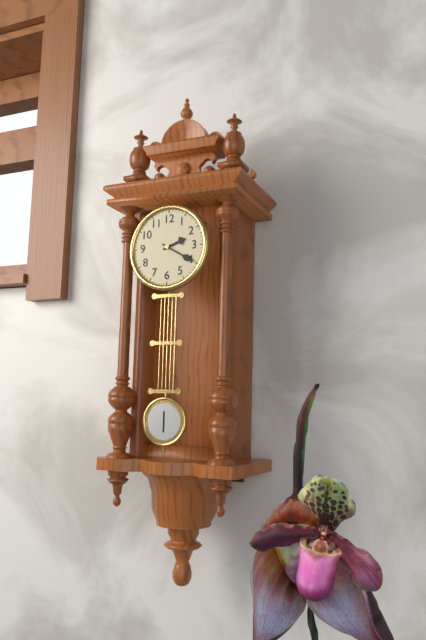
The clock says 2:20
